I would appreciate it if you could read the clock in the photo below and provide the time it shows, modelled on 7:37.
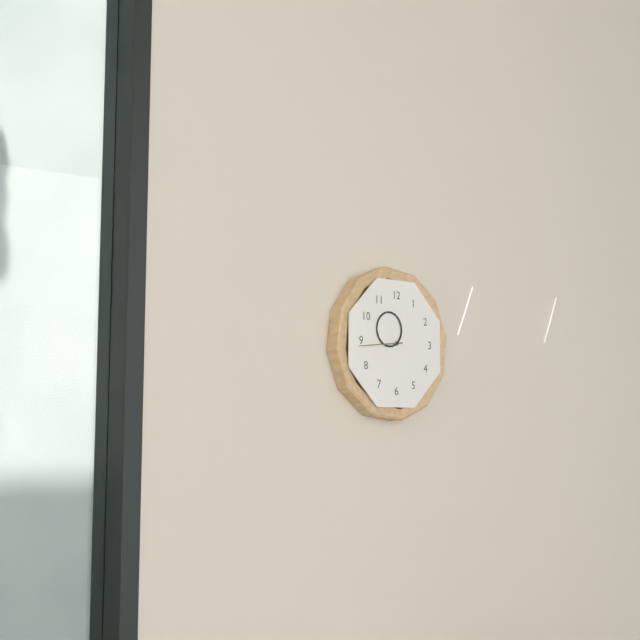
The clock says 10:44
